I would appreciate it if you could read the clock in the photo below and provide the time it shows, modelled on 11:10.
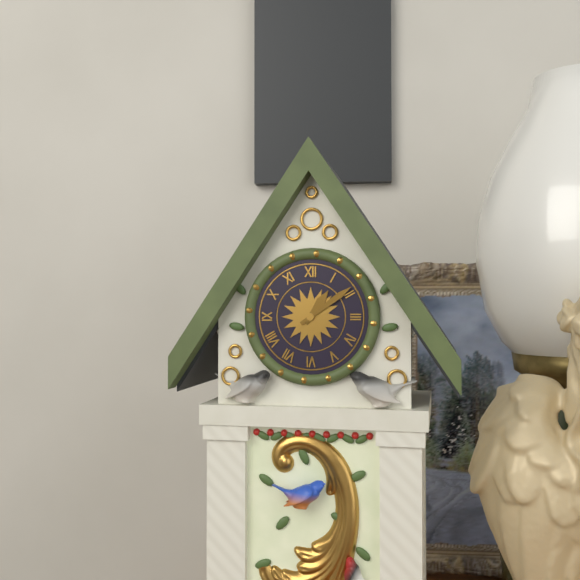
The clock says 1:09
